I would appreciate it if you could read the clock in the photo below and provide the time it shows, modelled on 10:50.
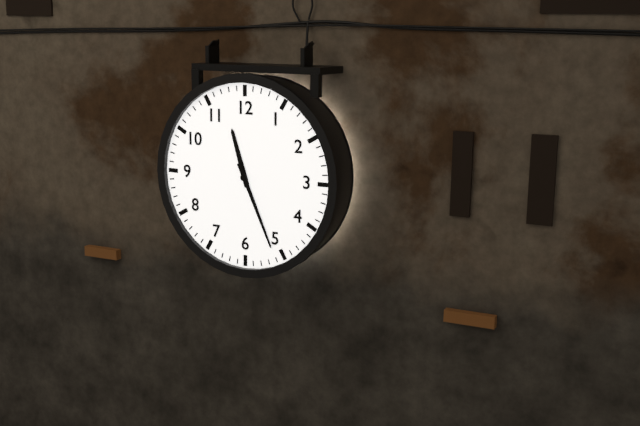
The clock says 11:26
